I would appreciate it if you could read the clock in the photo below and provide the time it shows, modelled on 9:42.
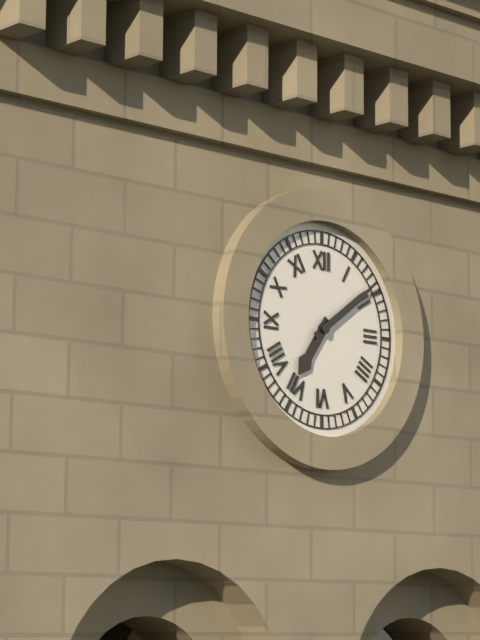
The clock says 7:09
